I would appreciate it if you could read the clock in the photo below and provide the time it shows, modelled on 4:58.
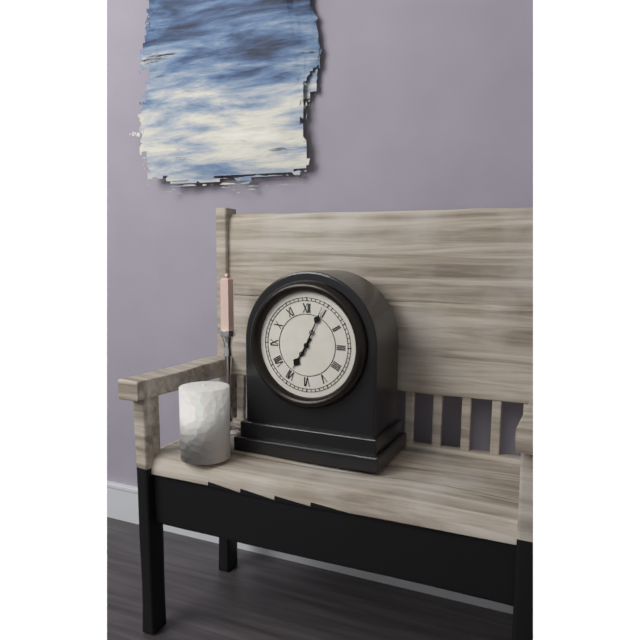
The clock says 7:04
